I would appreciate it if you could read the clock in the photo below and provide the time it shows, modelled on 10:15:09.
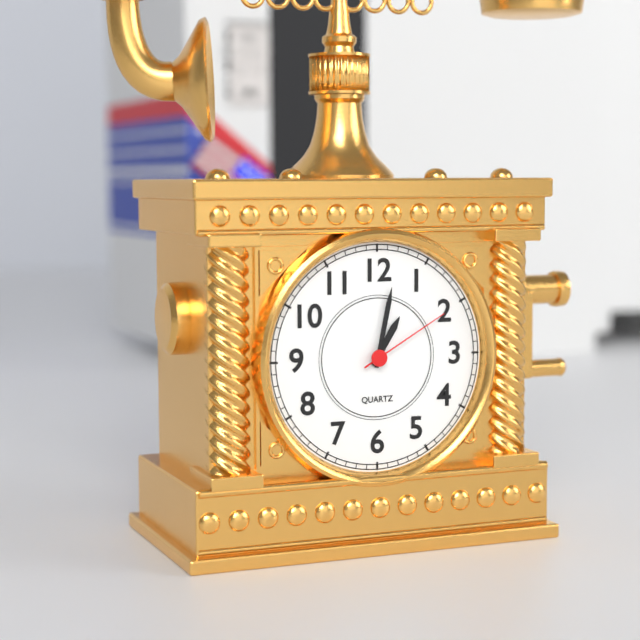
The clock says 1:02:10
